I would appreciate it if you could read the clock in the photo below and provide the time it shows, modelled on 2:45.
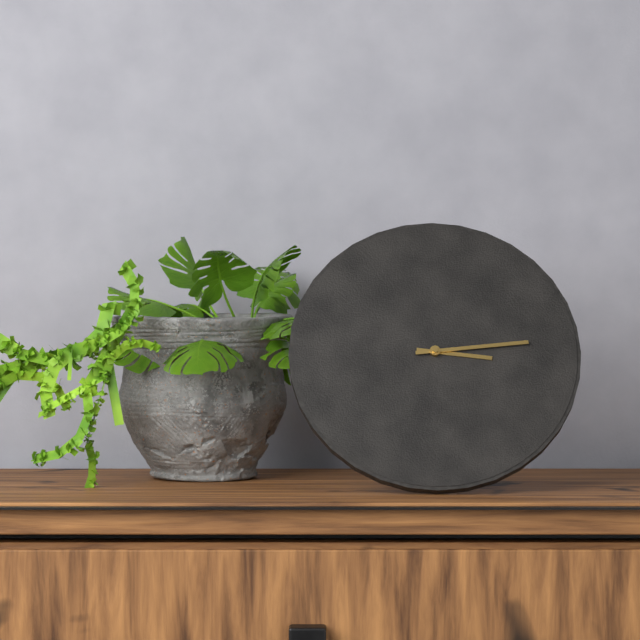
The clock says 3:14
